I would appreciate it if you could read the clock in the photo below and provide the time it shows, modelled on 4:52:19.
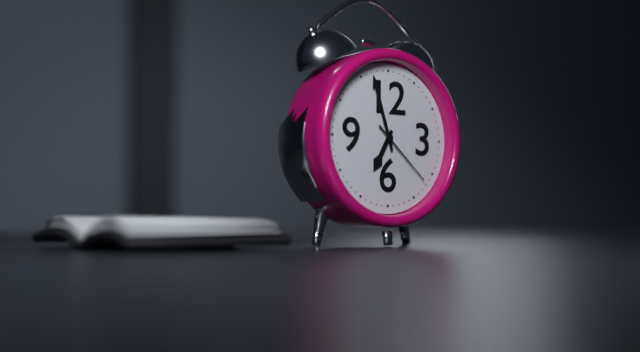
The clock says 6:57:22
